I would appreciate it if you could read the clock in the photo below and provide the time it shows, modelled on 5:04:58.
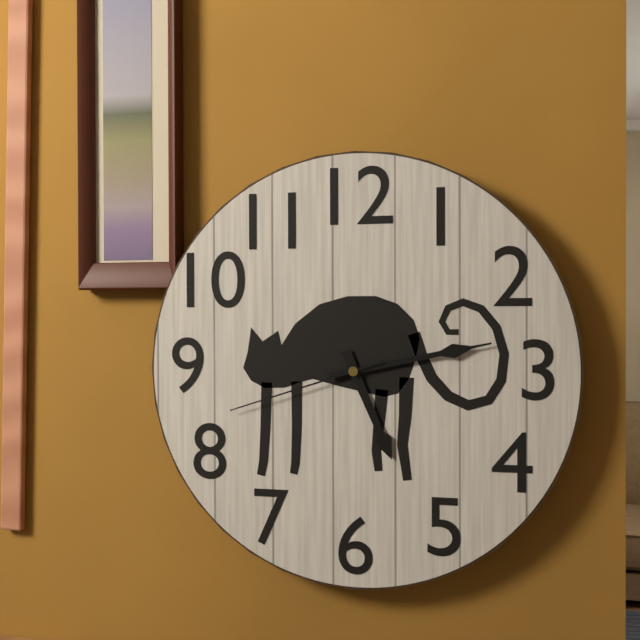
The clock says 5:13:42
